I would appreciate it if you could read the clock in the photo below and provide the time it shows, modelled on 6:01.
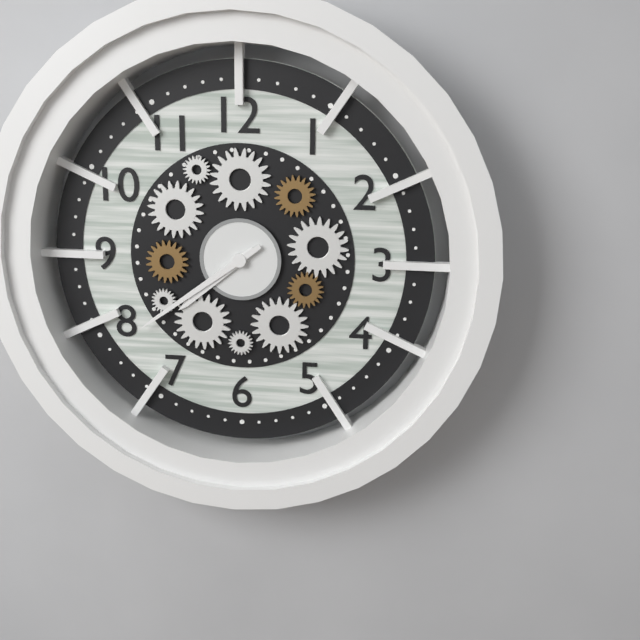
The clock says 7:39
